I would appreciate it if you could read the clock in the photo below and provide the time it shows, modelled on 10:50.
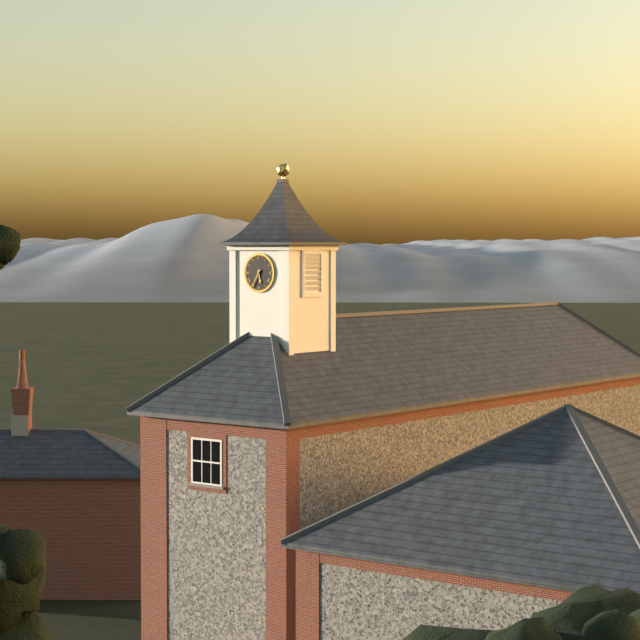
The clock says 5:35
